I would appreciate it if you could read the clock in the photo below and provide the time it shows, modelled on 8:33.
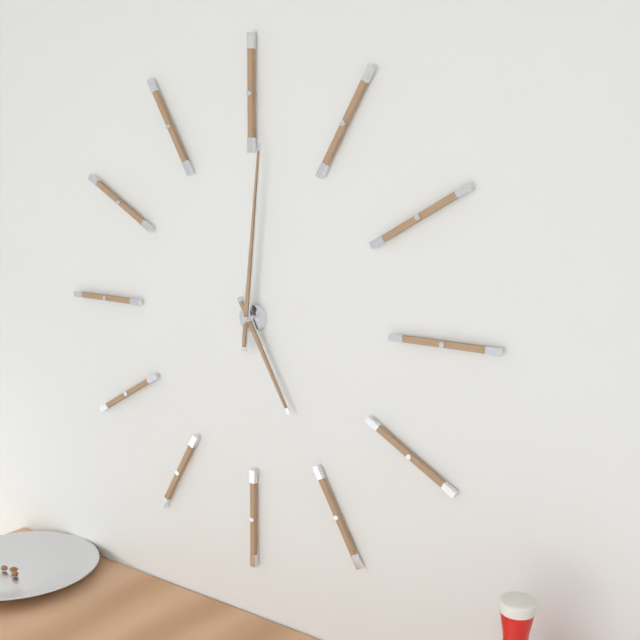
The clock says 5:01
